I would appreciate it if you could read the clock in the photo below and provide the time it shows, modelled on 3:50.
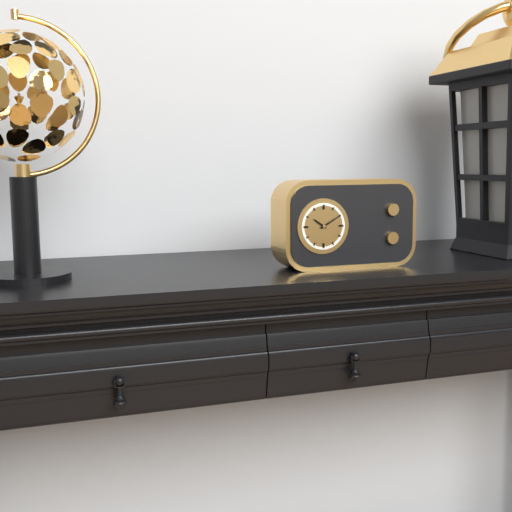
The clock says 10:10
